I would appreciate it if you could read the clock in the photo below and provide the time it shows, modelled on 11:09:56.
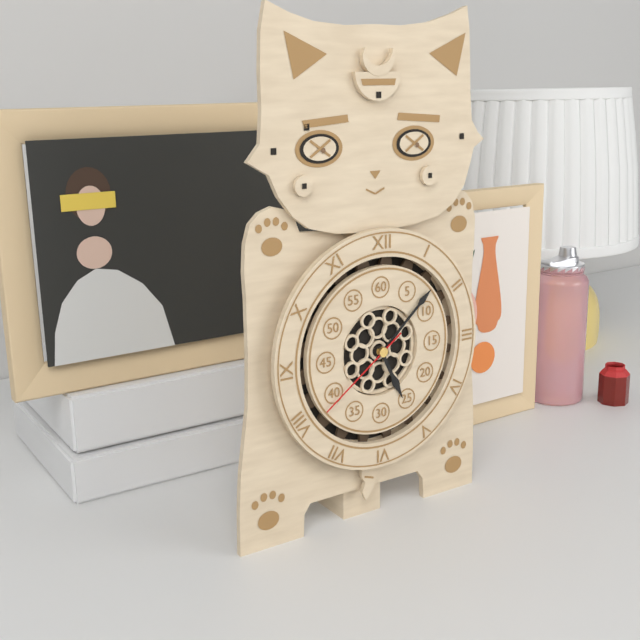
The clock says 5:08:39
